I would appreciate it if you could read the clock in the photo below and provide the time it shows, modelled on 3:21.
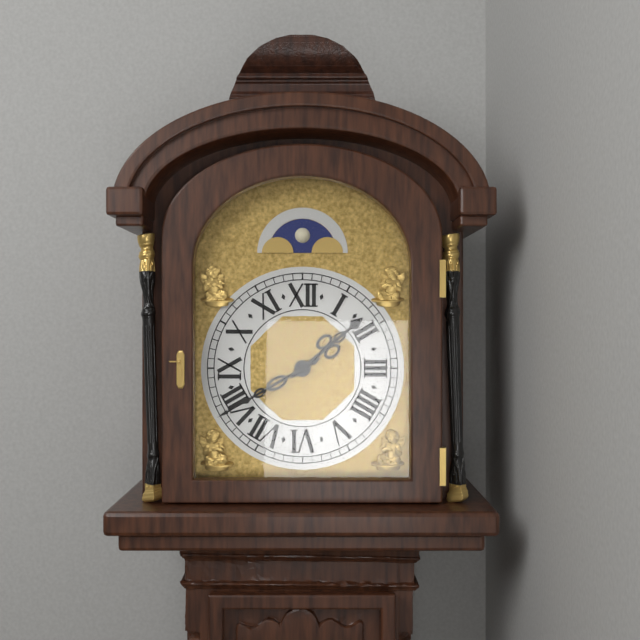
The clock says 1:40
